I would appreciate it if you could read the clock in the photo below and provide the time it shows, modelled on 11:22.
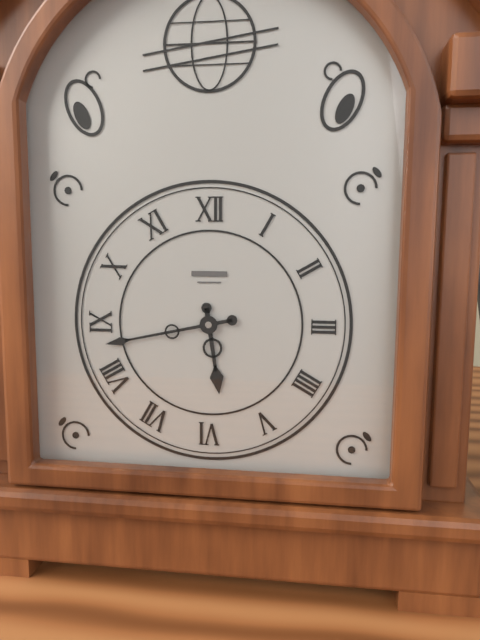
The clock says 5:43
